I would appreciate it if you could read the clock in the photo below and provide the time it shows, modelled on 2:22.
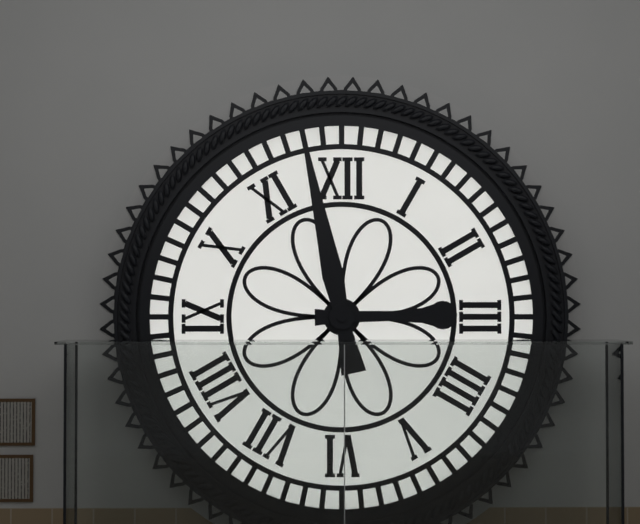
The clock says 2:58
